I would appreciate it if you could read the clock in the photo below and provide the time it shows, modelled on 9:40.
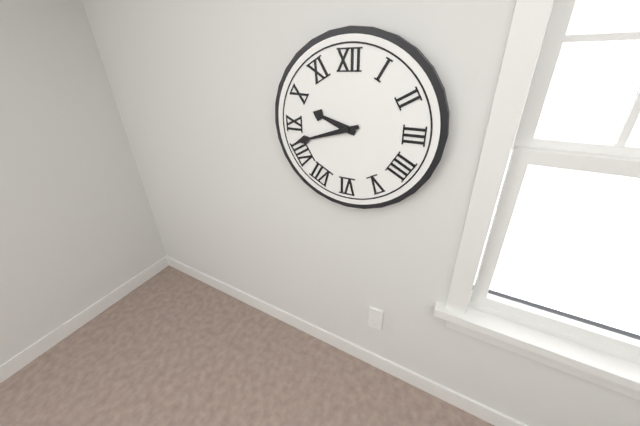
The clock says 9:42
